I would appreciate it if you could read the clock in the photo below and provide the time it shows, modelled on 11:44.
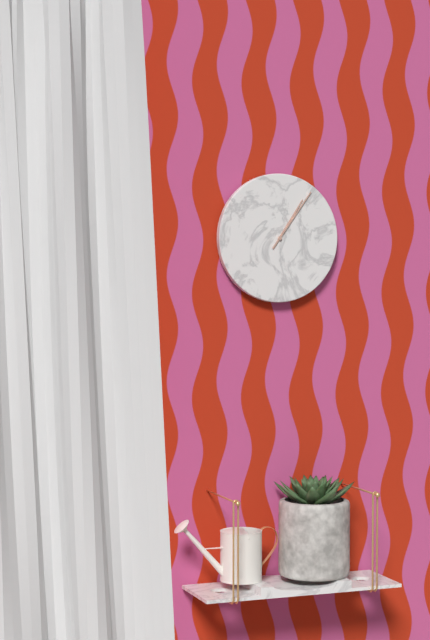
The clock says 1:06
